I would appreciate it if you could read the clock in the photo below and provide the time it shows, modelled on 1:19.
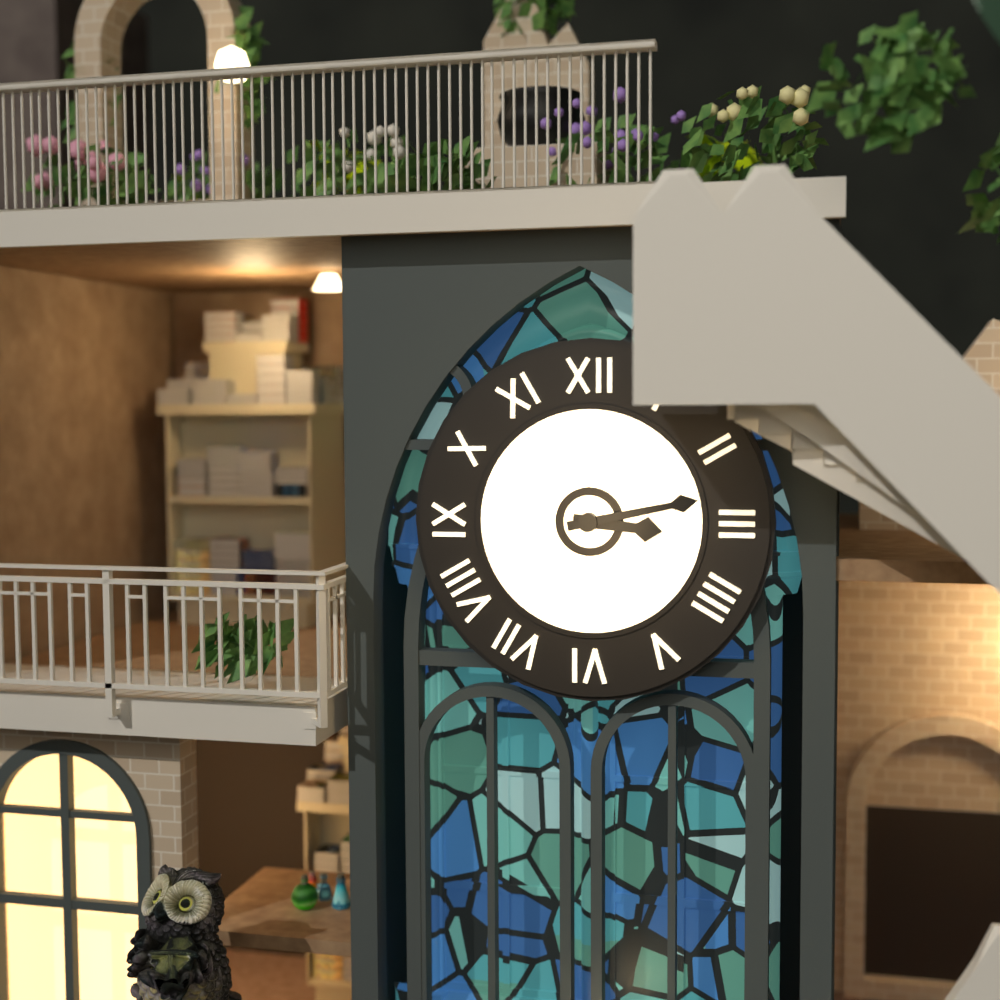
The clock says 3:13
